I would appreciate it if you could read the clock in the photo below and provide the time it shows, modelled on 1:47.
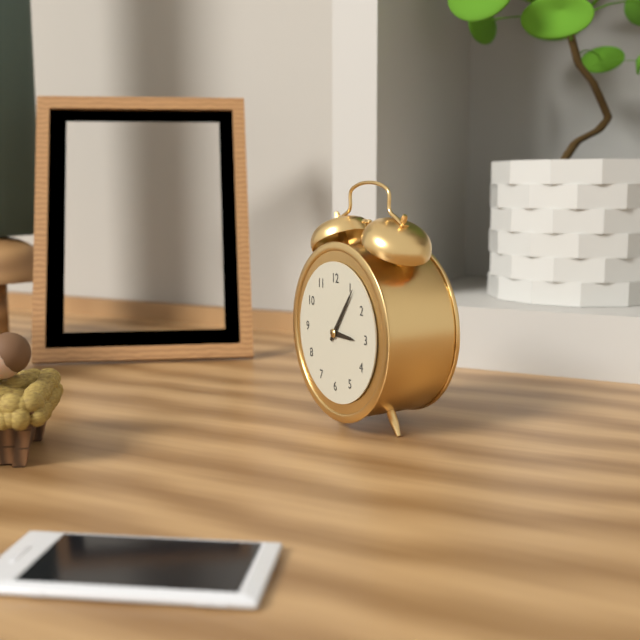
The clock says 3:06
